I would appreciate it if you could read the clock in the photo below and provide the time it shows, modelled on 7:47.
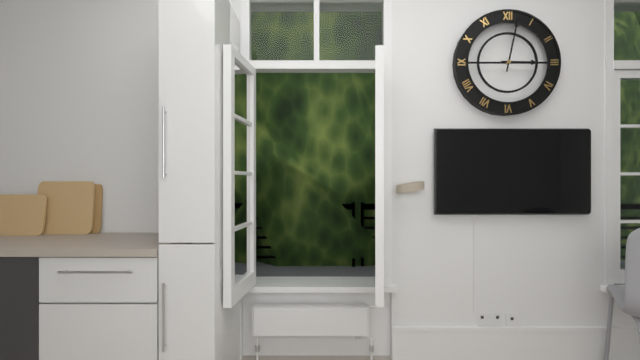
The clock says 3:02
